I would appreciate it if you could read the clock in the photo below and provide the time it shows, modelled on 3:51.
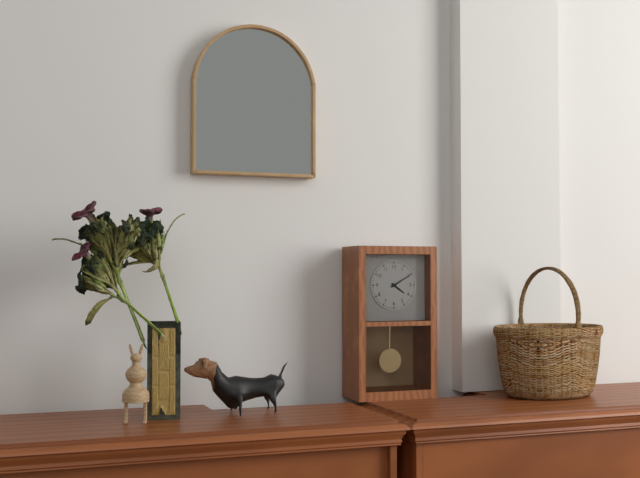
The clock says 4:10
